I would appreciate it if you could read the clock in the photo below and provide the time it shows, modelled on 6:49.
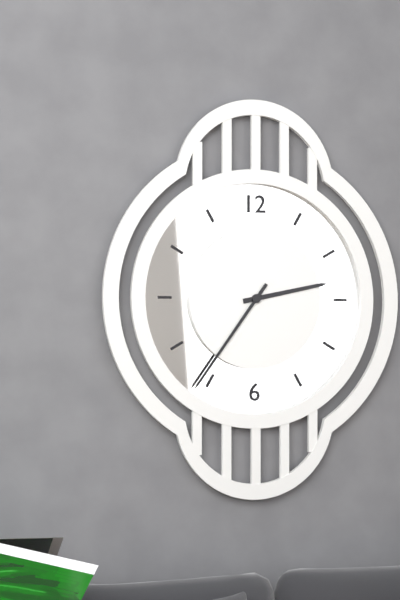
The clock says 2:36
